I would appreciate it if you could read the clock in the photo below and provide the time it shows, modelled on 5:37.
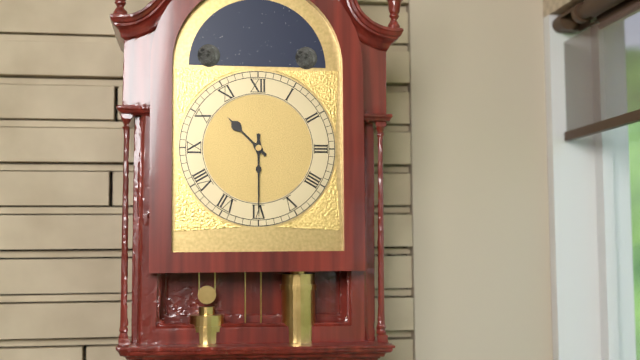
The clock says 10:30
